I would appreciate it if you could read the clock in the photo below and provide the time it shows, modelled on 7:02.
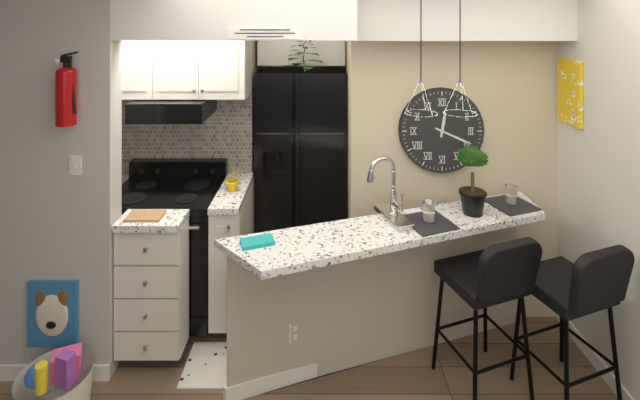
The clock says 12:19
